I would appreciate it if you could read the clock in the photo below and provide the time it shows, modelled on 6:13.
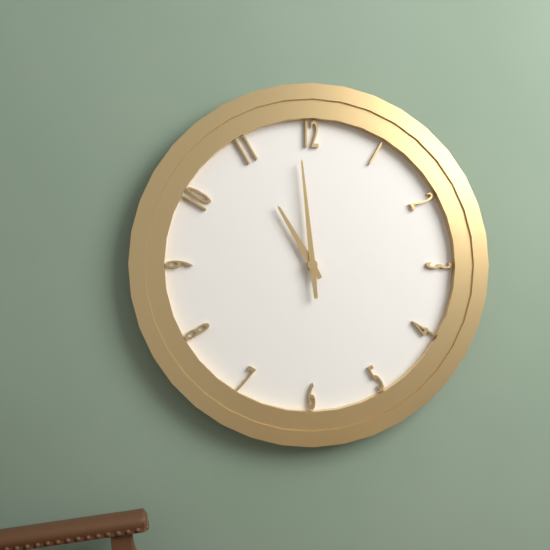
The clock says 10:59
